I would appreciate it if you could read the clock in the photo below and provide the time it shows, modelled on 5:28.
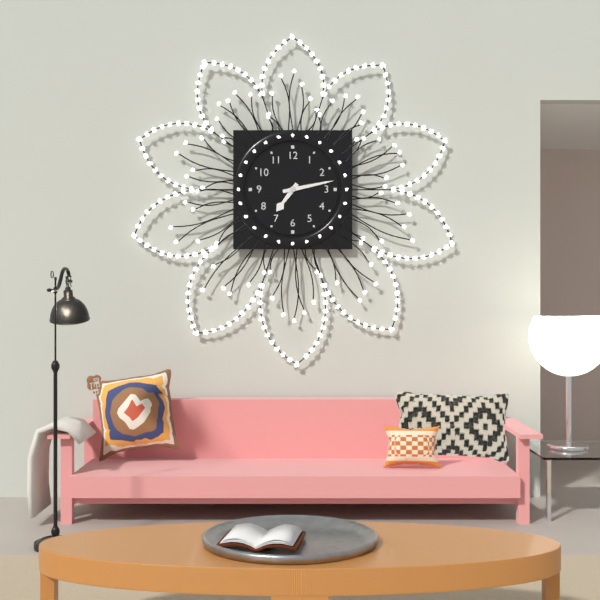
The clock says 7:13
